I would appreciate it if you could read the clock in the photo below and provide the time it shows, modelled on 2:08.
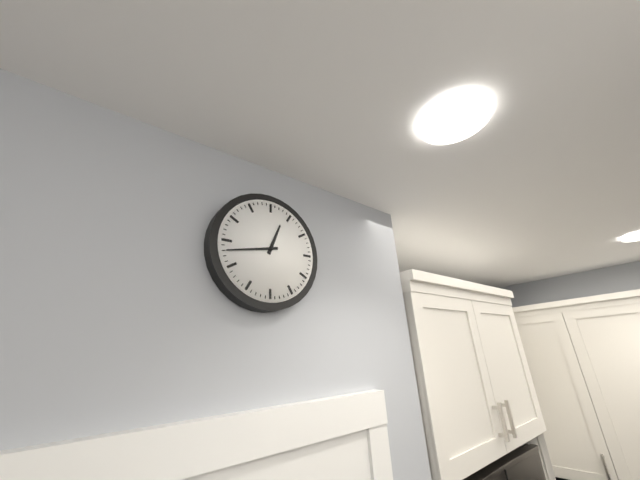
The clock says 12:43
